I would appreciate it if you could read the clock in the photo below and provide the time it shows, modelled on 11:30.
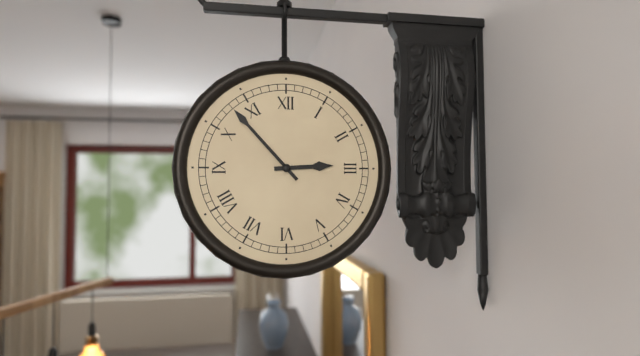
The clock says 2:53
